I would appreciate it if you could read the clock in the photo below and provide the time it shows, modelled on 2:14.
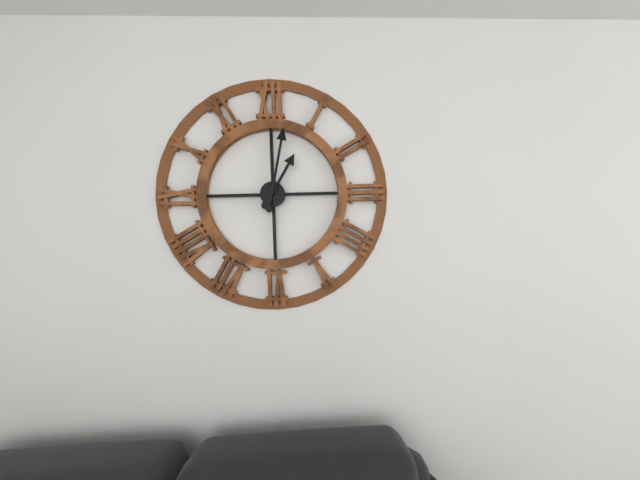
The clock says 1:02
